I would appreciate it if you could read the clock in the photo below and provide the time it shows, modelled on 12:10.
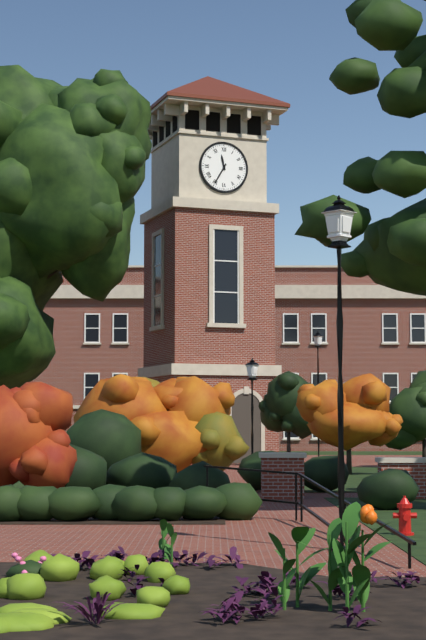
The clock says 11:35
